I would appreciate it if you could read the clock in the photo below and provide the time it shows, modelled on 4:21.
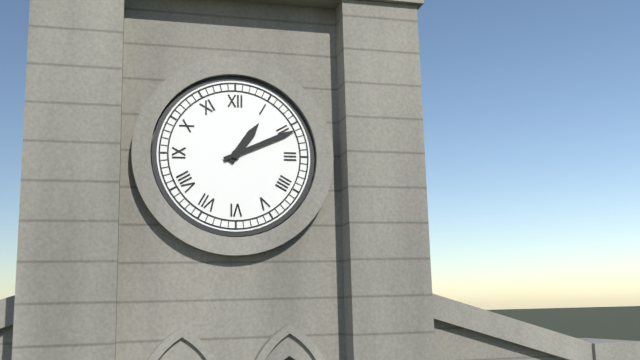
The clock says 1:11
